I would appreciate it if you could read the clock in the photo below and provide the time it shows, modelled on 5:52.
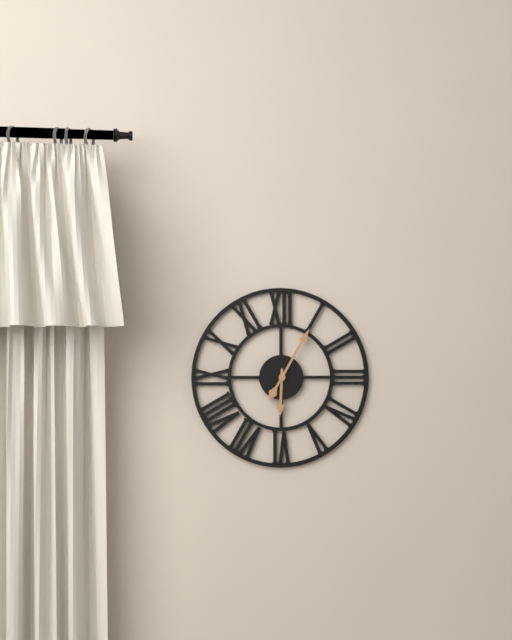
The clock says 6:05
